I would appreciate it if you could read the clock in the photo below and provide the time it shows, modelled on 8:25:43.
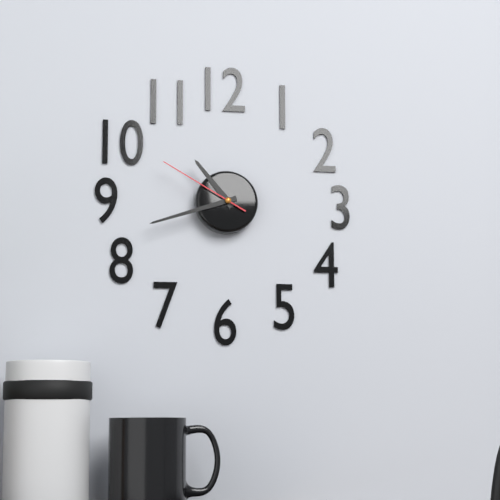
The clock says 10:42:50
